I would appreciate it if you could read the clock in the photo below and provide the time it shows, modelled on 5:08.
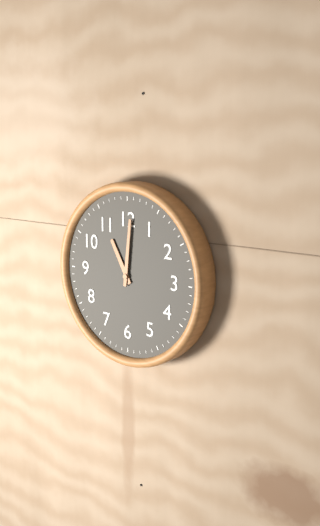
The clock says 11:01
